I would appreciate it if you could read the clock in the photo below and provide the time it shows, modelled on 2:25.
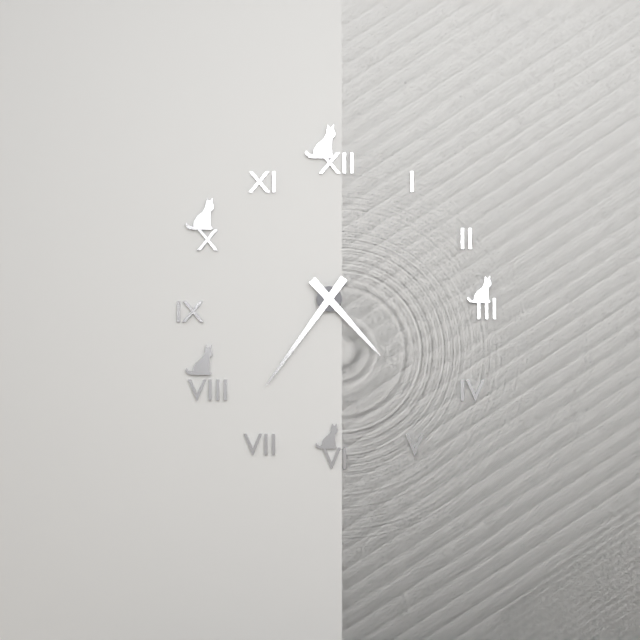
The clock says 4:36
